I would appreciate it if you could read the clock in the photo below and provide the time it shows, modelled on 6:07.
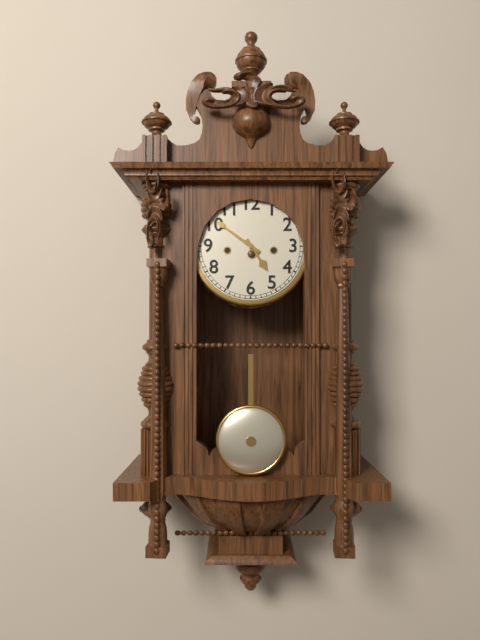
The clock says 4:51
